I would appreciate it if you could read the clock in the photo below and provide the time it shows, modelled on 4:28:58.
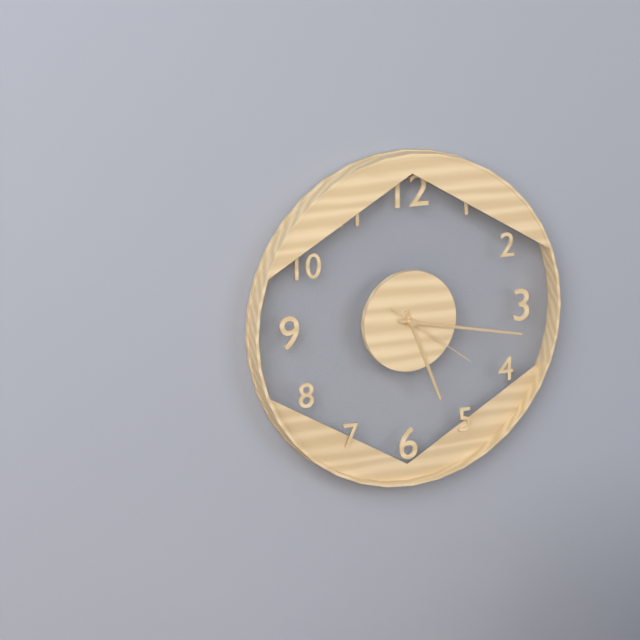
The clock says 5:17:21
